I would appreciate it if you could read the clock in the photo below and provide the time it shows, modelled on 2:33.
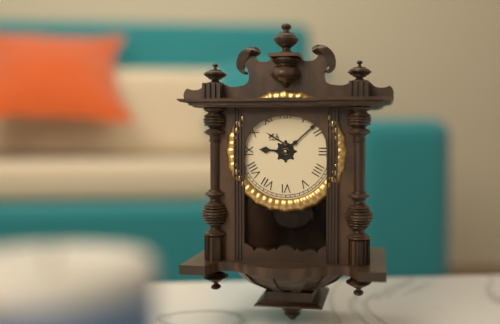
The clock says 9:08
